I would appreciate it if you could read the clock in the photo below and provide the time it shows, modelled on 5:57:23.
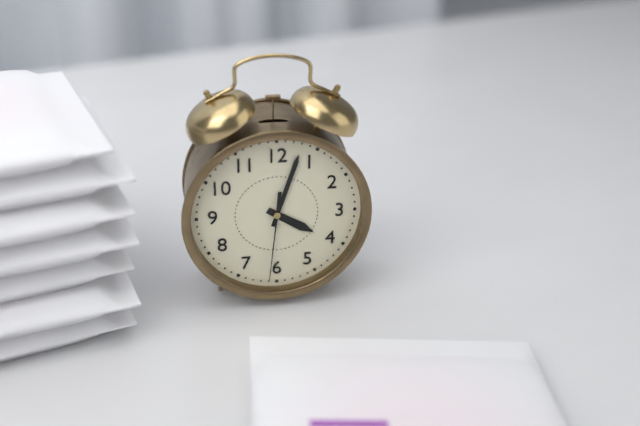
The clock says 4:03:31
